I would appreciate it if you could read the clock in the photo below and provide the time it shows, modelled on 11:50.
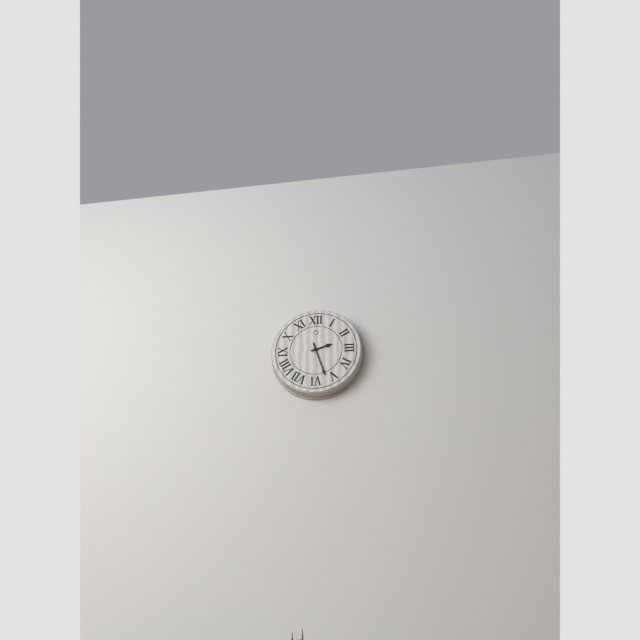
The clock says 2:27
